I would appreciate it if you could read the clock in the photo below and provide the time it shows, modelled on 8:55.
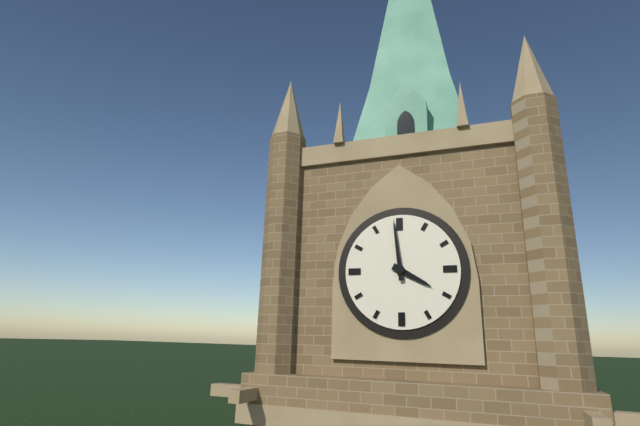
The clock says 3:59
